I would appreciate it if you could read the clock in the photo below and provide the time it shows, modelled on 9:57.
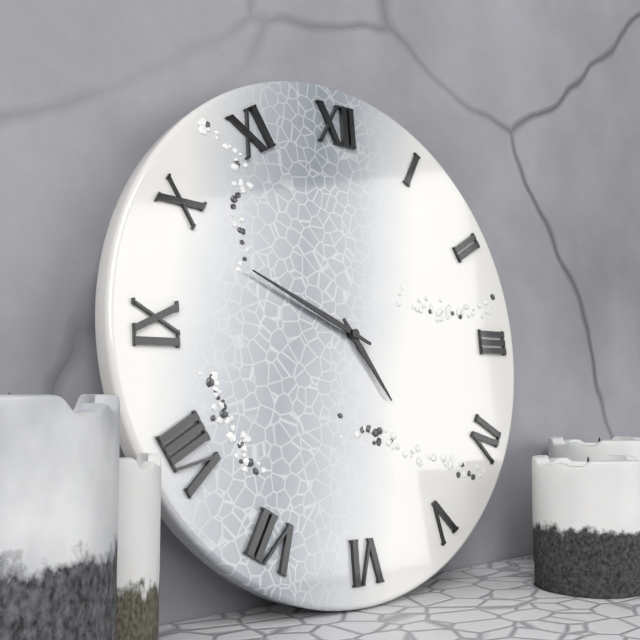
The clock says 4:49
